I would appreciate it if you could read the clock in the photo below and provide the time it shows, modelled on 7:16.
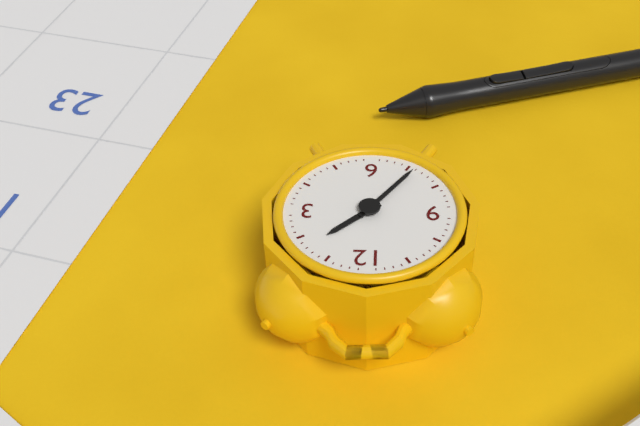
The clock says 1:36
